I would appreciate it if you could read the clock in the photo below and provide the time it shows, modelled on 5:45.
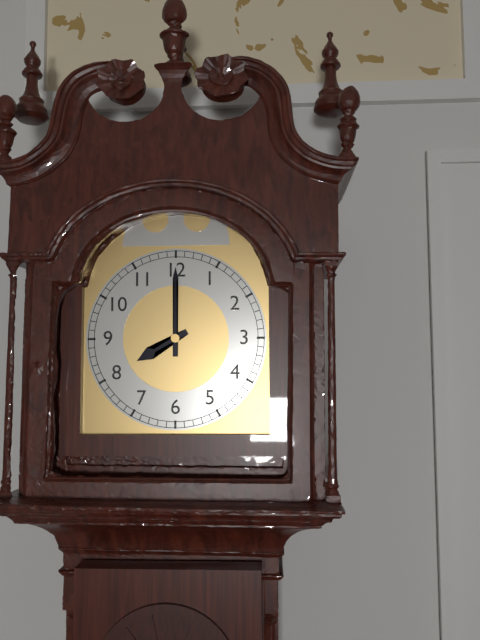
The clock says 8:00
